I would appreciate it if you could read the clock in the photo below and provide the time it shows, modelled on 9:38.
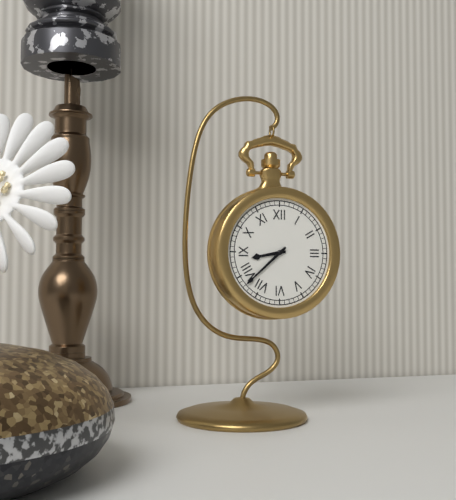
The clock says 8:38
